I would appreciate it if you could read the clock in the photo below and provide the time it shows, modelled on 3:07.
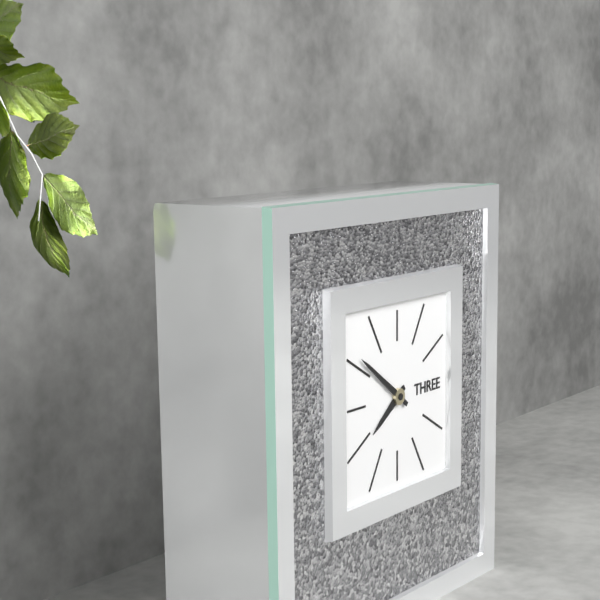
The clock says 7:51
